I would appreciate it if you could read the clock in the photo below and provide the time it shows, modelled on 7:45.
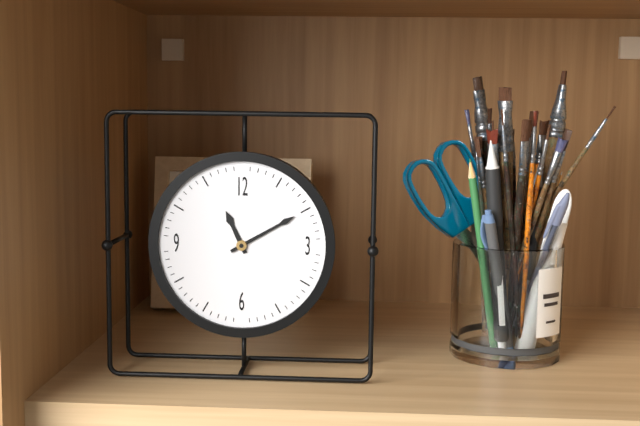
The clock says 11:10
